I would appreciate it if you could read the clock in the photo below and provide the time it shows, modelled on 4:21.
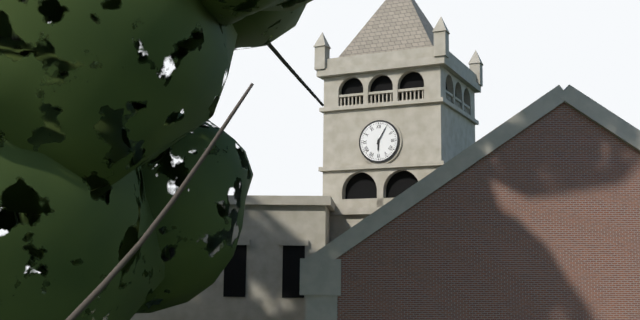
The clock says 6:05
